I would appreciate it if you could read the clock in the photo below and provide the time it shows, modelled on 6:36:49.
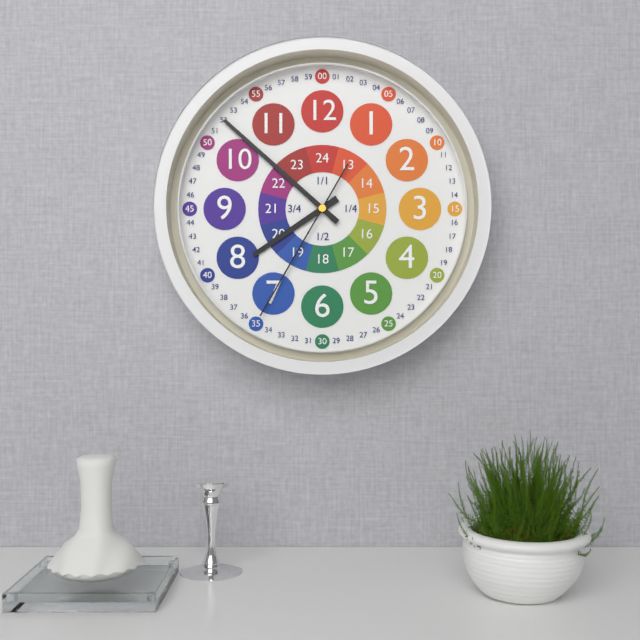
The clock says 7:52:35
